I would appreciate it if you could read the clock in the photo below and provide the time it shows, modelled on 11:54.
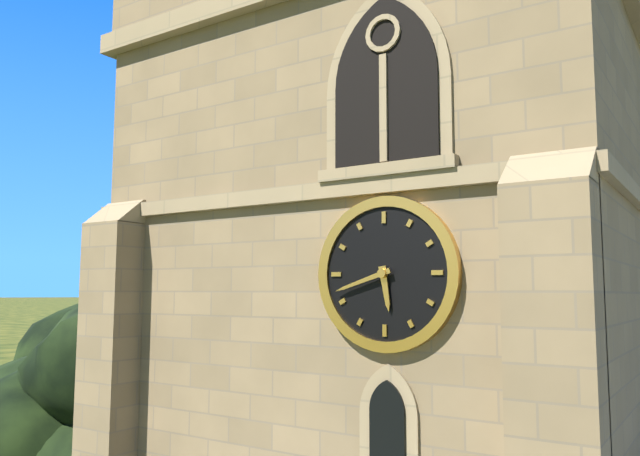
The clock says 5:42
